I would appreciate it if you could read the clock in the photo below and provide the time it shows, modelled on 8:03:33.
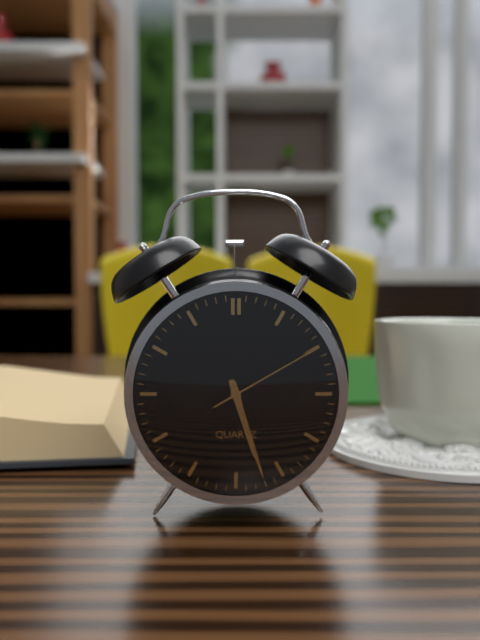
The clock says 5:27:10
